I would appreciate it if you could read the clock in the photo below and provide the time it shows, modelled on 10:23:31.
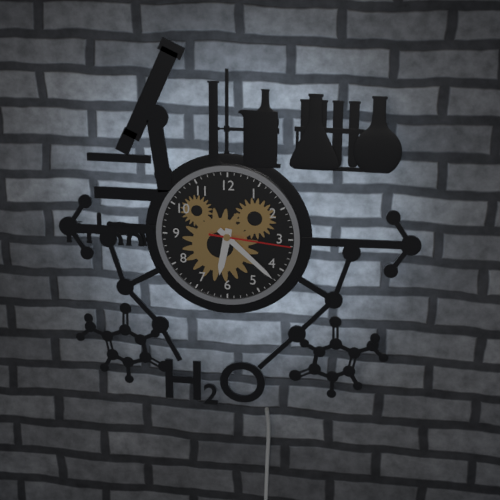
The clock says 6:22:16
